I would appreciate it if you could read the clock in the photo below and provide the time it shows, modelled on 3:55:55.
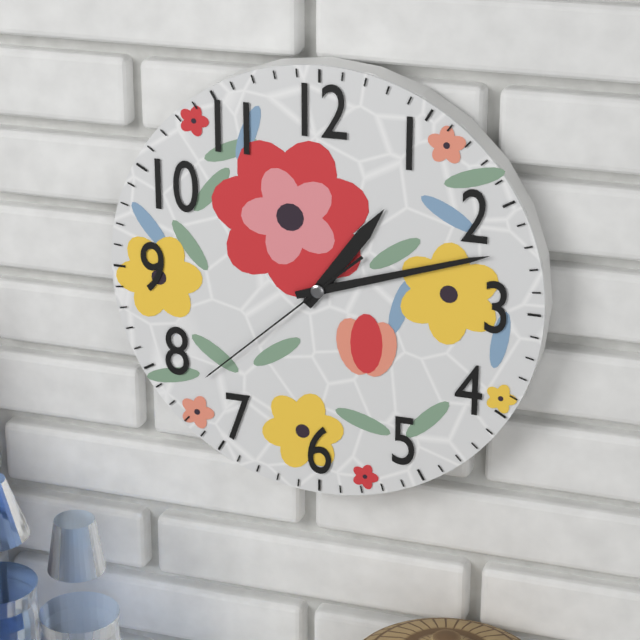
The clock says 1:12:38
